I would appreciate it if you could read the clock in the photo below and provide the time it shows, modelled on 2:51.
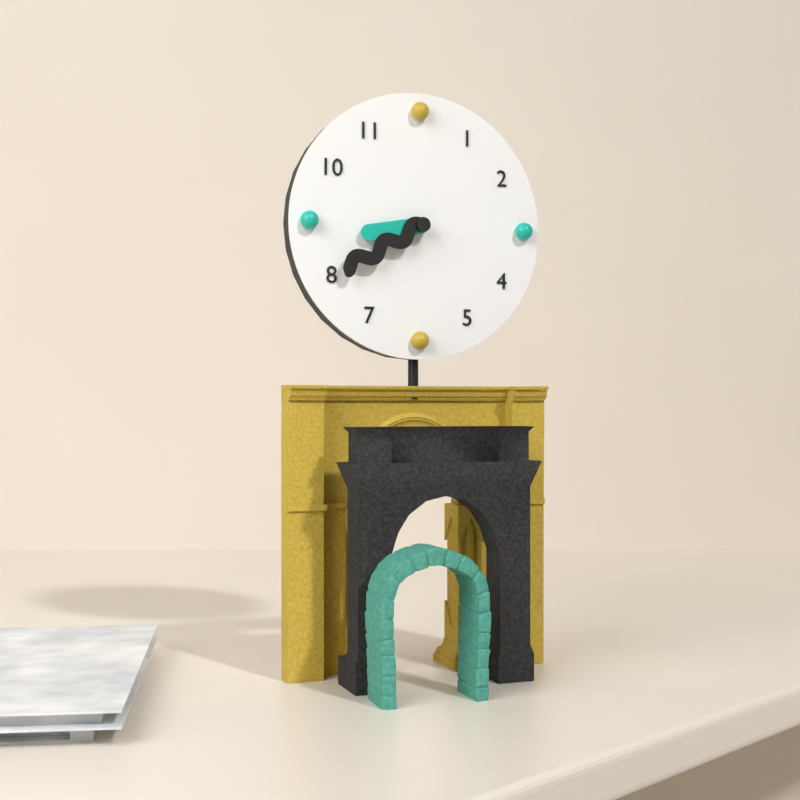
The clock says 8:40
